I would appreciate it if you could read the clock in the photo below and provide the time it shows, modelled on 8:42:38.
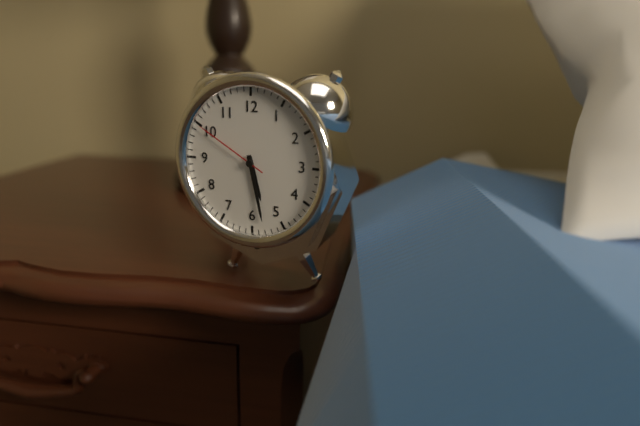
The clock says 5:28:50
